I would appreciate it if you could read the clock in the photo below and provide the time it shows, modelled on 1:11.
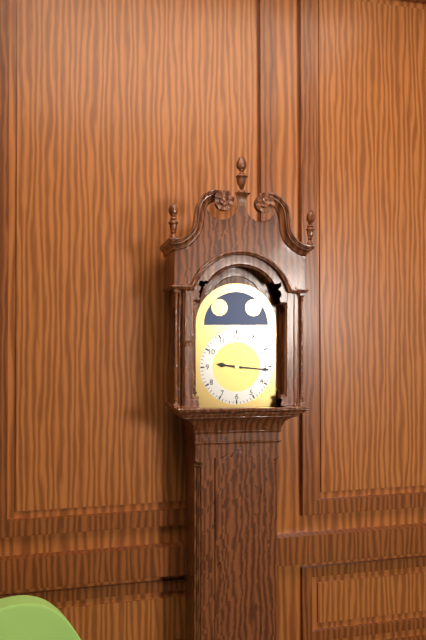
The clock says 9:16
